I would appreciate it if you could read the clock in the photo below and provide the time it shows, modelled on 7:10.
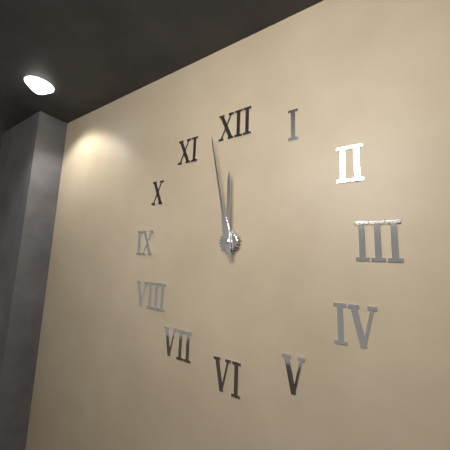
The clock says 11:58
